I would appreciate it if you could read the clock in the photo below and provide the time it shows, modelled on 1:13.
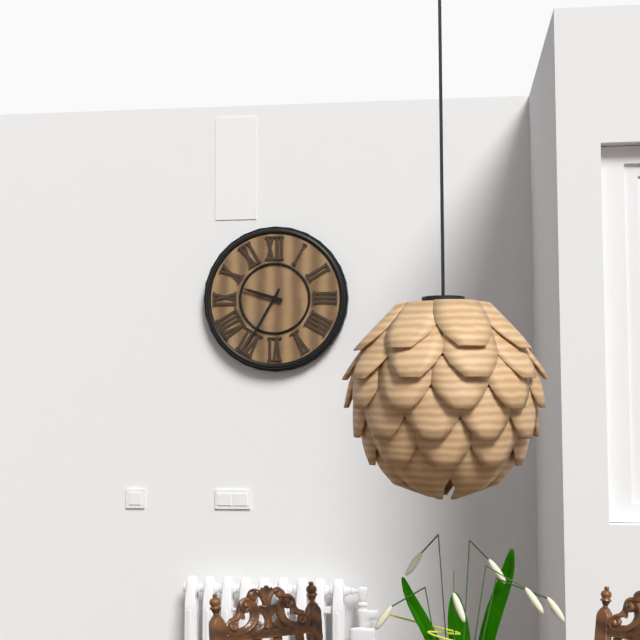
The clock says 9:35
